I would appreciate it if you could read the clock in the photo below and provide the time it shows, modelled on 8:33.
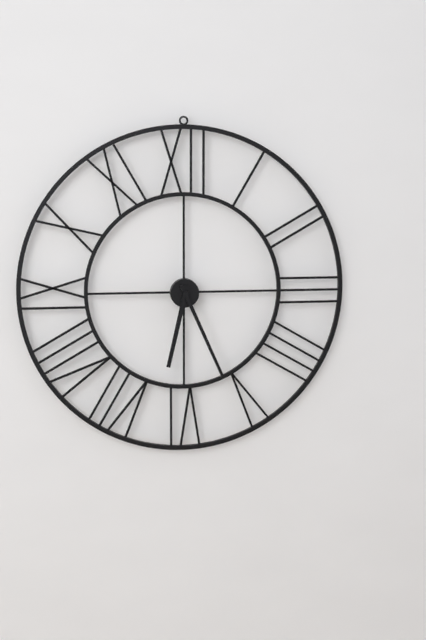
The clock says 6:26
